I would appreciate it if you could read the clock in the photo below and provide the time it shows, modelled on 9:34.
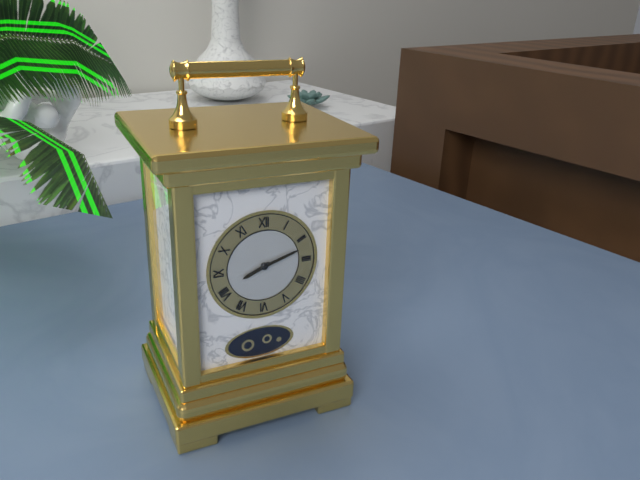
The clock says 8:12
